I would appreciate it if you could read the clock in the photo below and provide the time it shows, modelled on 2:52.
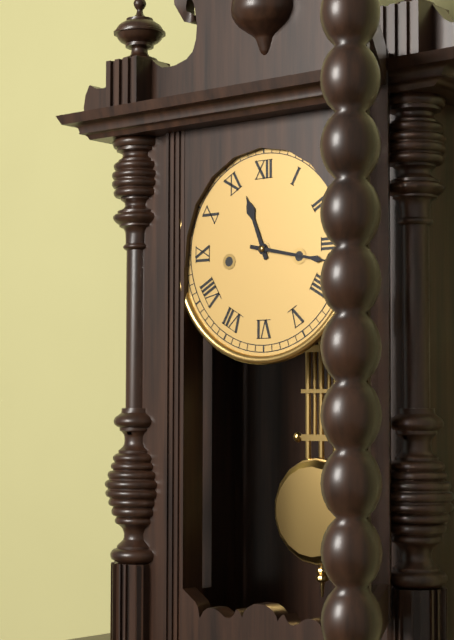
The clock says 11:17
